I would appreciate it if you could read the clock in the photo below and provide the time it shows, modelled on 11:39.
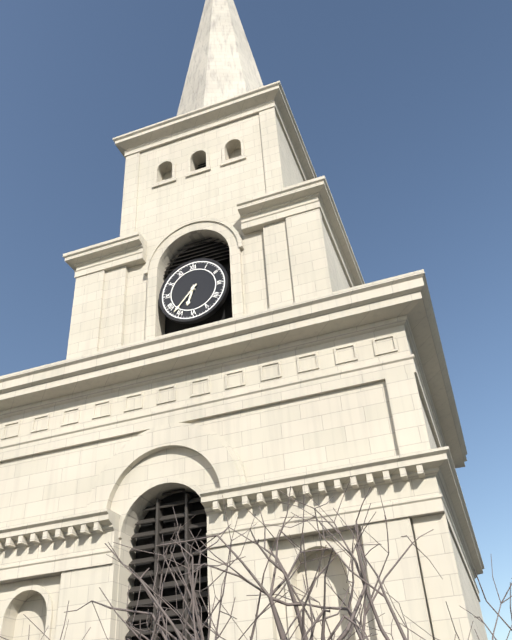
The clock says 6:37
